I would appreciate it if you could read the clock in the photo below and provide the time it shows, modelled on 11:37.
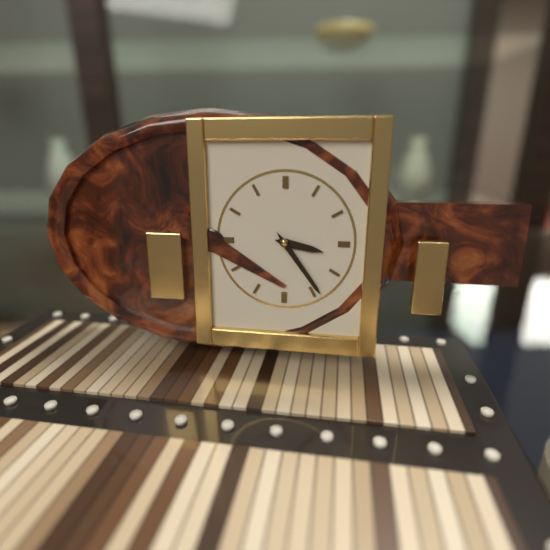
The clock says 3:24
